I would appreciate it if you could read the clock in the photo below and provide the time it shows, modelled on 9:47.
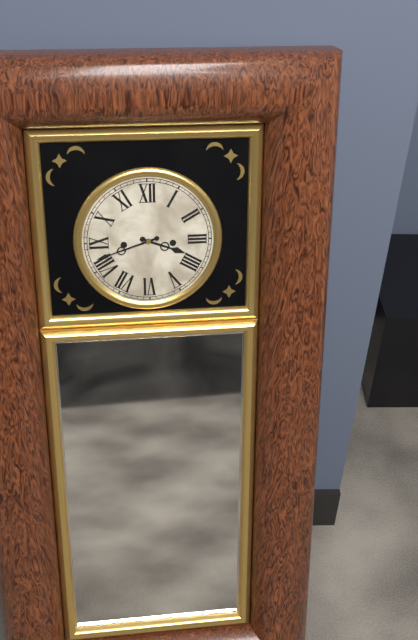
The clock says 3:42
